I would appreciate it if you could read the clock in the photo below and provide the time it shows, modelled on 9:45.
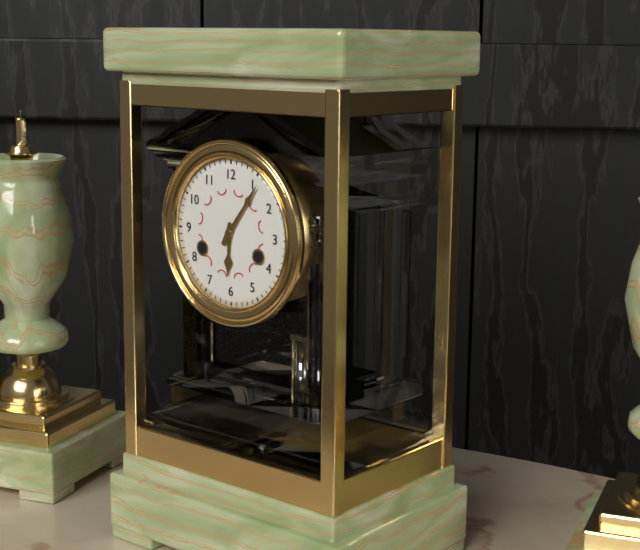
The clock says 6:06
